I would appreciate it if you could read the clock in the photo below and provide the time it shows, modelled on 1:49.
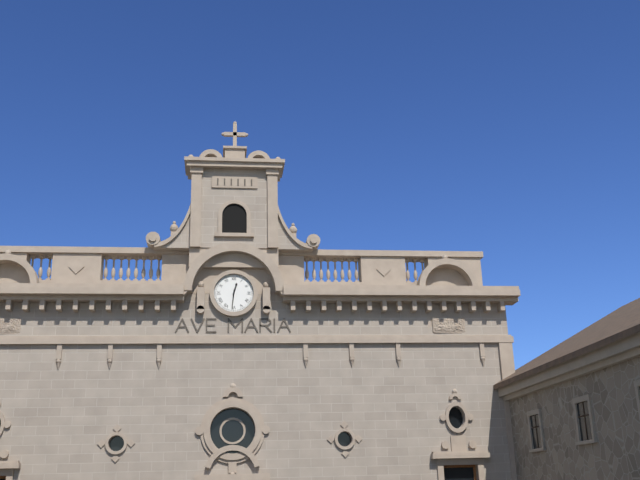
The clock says 12:31
